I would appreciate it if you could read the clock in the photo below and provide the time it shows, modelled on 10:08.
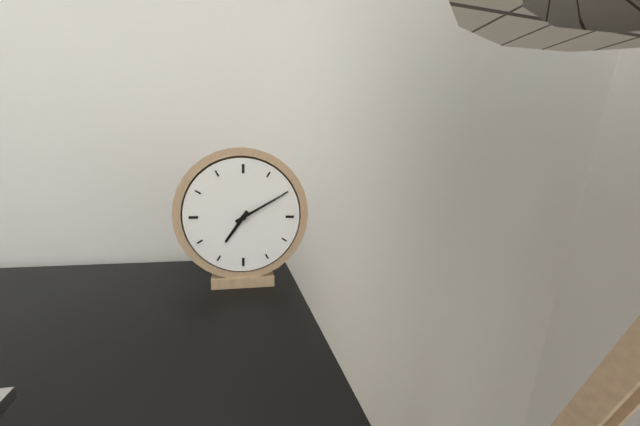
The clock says 7:10
